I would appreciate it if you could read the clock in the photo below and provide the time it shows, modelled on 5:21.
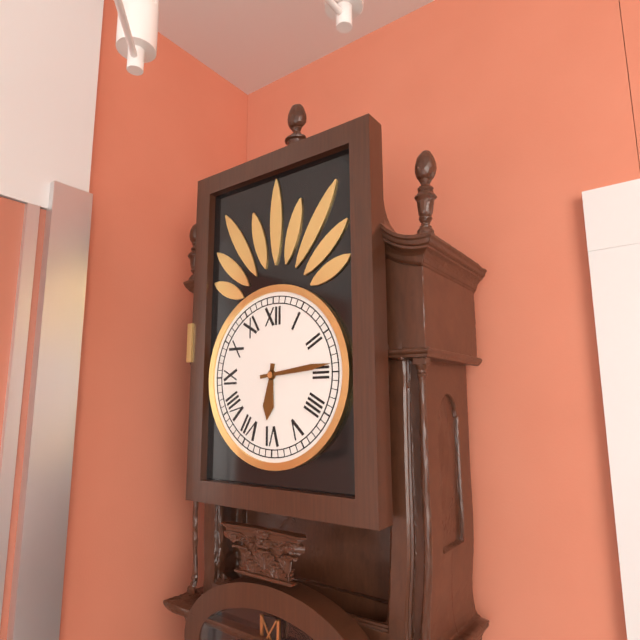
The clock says 6:14
